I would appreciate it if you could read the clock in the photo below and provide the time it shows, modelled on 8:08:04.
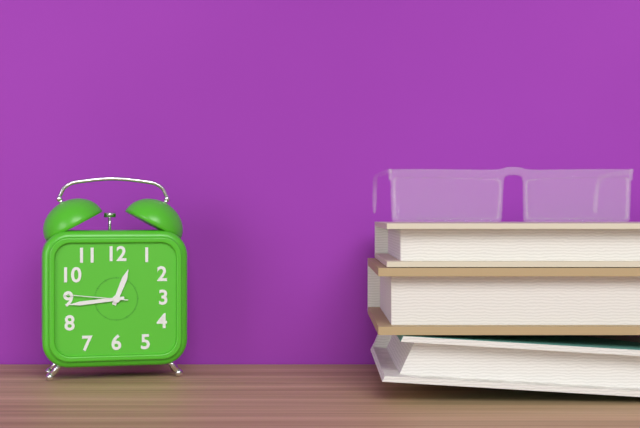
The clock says 12:44:46
